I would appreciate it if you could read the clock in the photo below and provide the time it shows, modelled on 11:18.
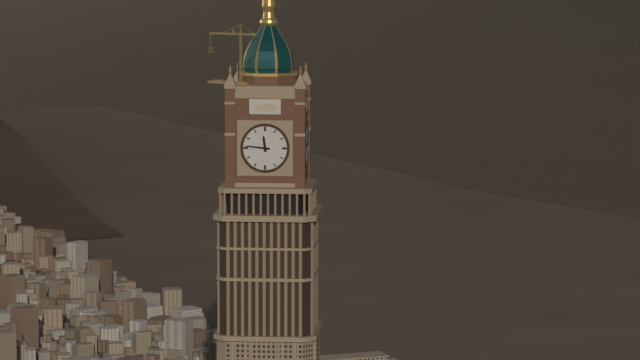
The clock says 11:46
